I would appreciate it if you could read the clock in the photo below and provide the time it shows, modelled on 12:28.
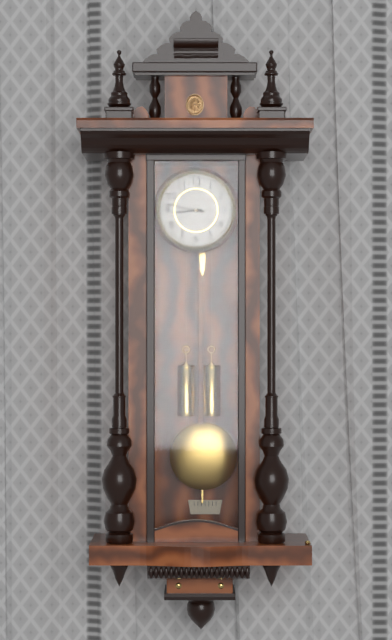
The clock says 8:47
